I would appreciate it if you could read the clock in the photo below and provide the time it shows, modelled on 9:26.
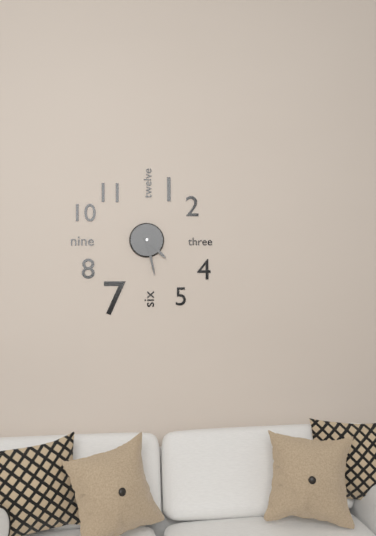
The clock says 4:28
